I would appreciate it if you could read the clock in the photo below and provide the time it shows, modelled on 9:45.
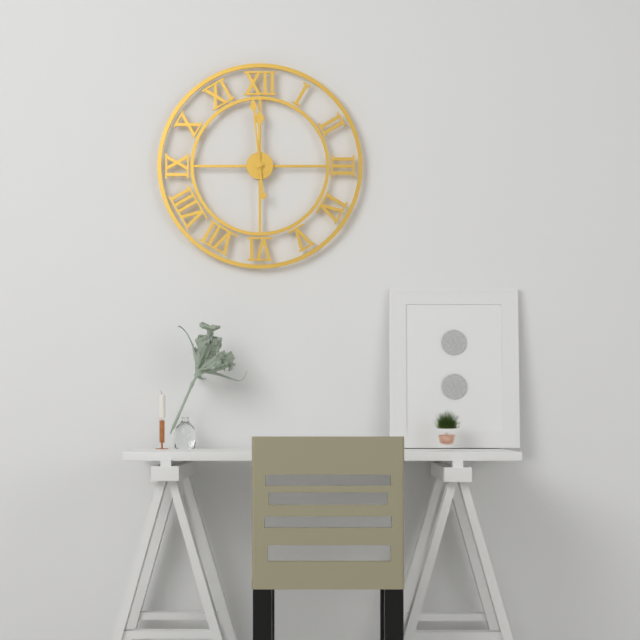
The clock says 11:59
